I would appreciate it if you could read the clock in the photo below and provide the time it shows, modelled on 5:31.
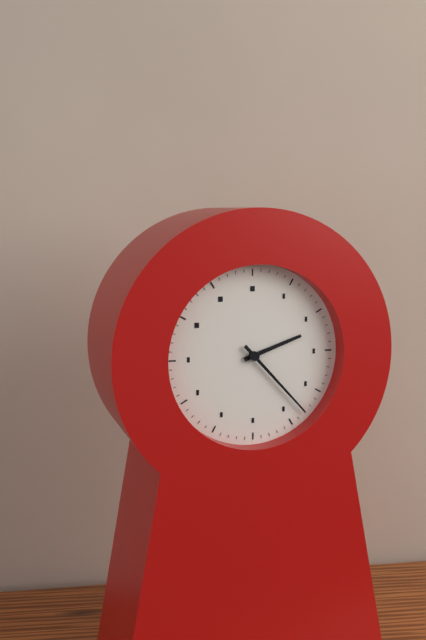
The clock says 2:23
